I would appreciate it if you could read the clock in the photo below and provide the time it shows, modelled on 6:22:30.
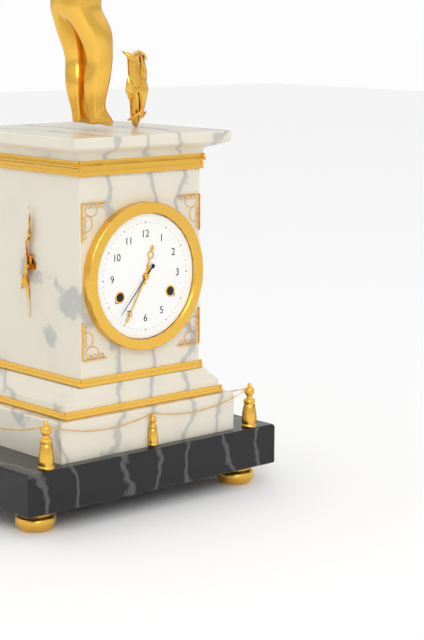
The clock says 12:35:37
